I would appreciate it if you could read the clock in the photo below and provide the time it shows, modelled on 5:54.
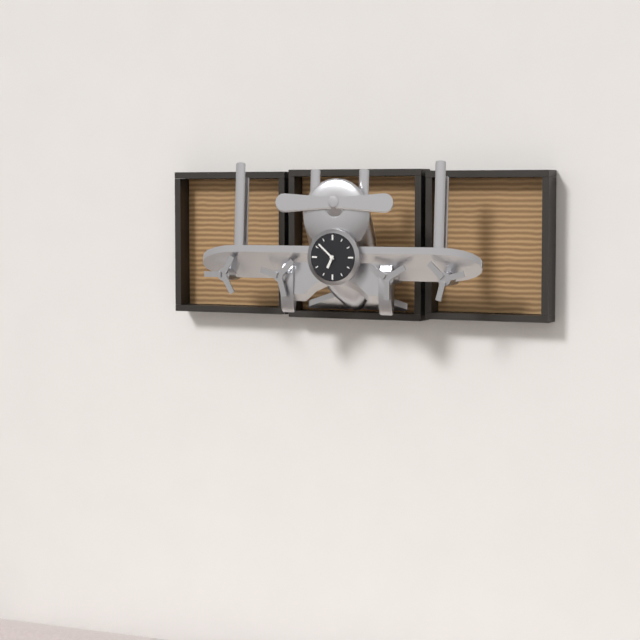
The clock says 6:52
